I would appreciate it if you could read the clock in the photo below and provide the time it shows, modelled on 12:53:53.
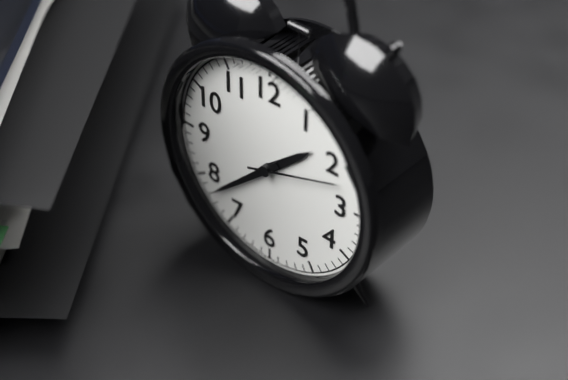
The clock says 1:38:12
